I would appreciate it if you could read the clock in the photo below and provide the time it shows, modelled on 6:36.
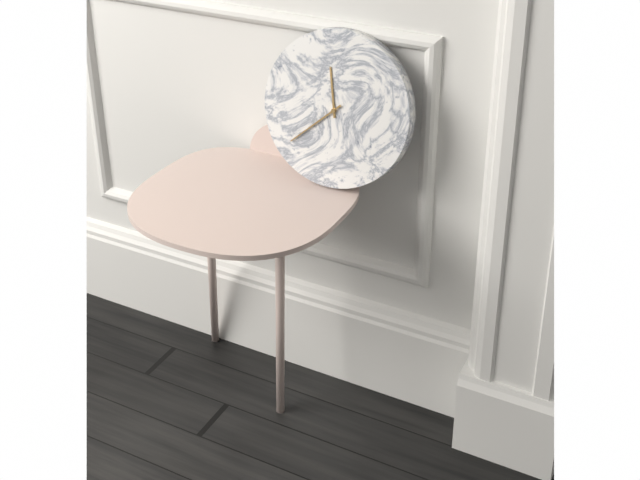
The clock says 11:38
